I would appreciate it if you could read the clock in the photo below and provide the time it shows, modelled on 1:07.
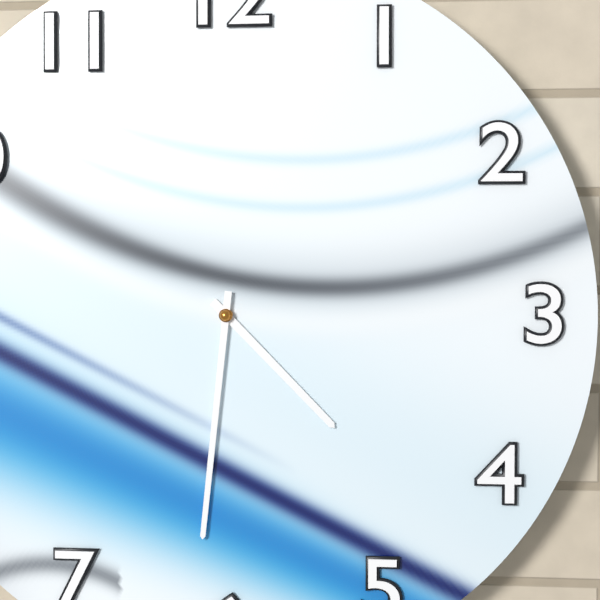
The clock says 4:31
